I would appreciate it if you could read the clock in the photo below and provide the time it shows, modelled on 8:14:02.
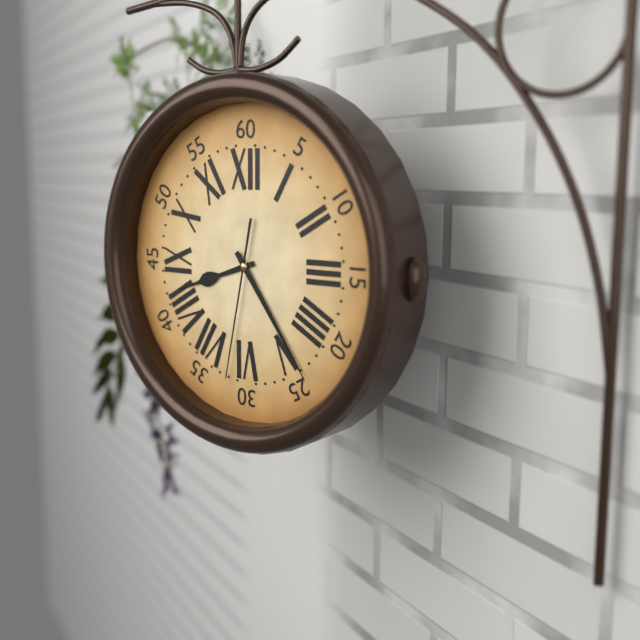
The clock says 8:24:32
